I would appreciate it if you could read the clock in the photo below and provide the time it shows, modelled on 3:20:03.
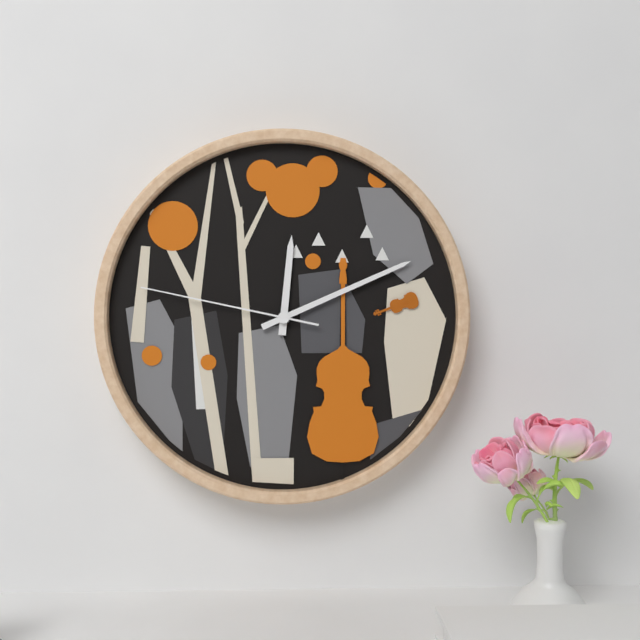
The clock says 12:11:47
